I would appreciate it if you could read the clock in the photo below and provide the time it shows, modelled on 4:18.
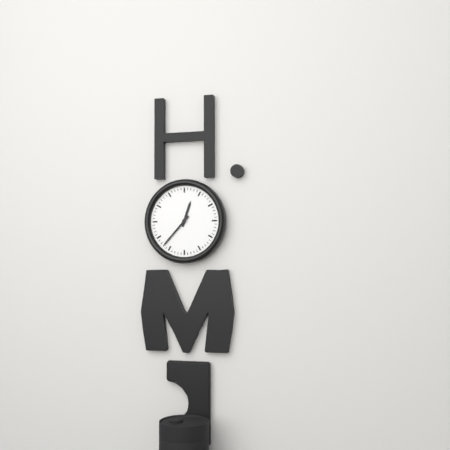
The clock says 12:37
